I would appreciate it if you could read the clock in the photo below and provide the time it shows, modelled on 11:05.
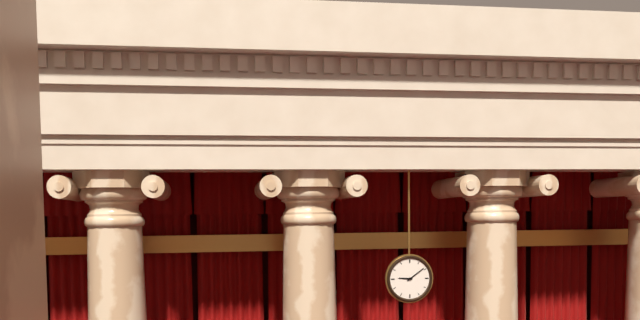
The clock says 9:09
